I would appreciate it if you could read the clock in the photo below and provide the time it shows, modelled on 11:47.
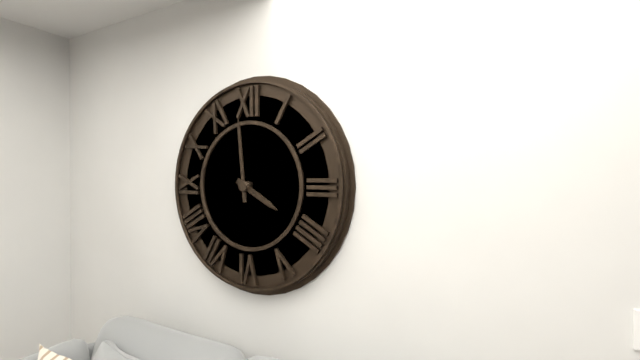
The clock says 3:59
